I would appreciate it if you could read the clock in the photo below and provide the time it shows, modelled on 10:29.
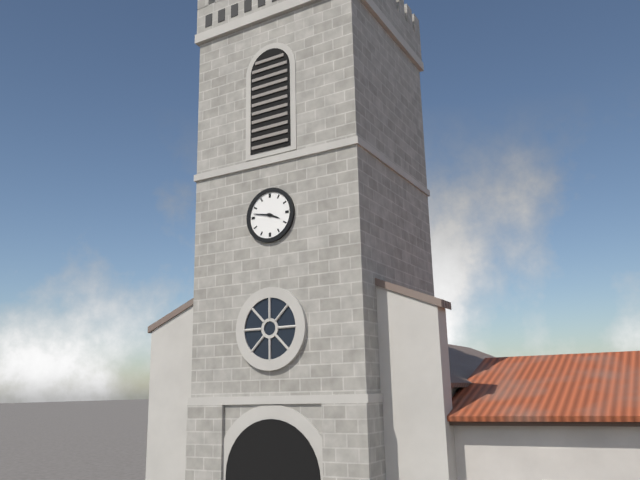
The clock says 3:47
